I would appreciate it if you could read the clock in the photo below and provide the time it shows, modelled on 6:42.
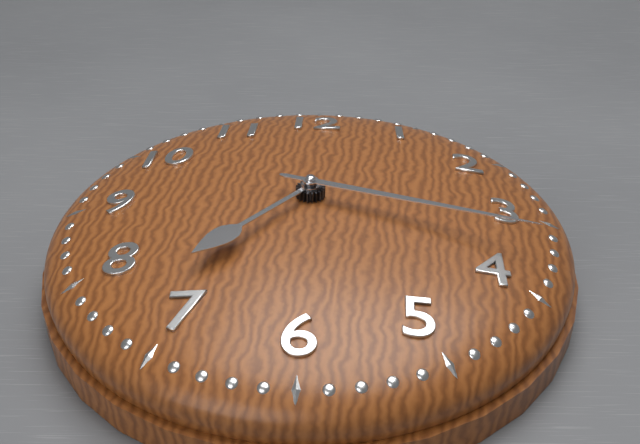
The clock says 7:18
